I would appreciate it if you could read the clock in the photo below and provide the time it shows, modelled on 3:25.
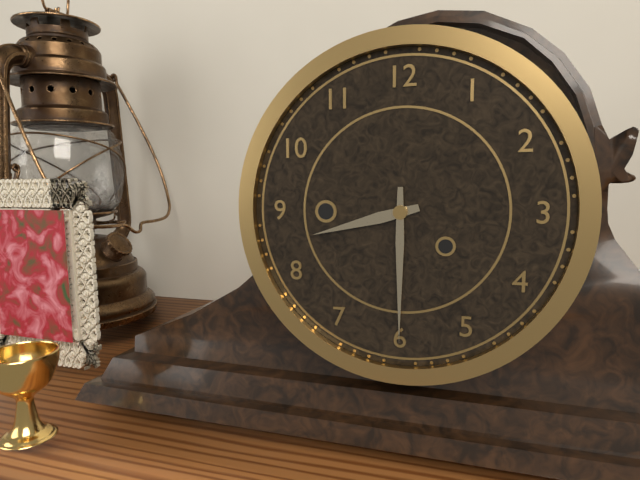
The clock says 8:30
